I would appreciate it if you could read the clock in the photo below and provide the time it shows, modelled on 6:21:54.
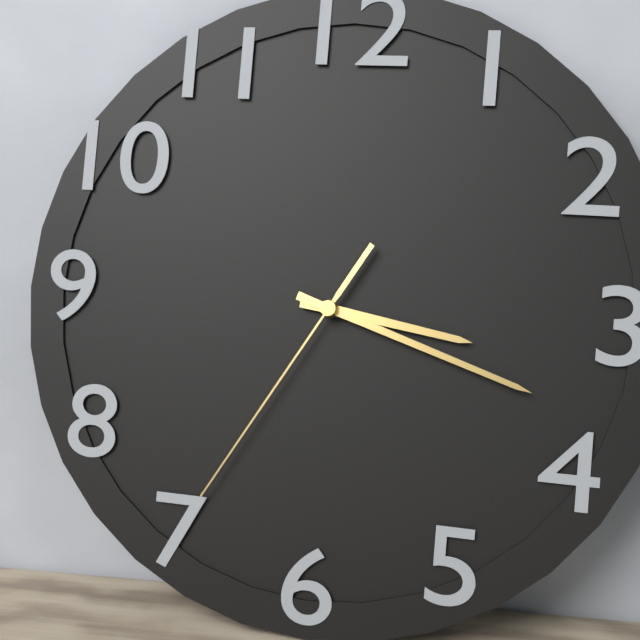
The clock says 3:18:35
